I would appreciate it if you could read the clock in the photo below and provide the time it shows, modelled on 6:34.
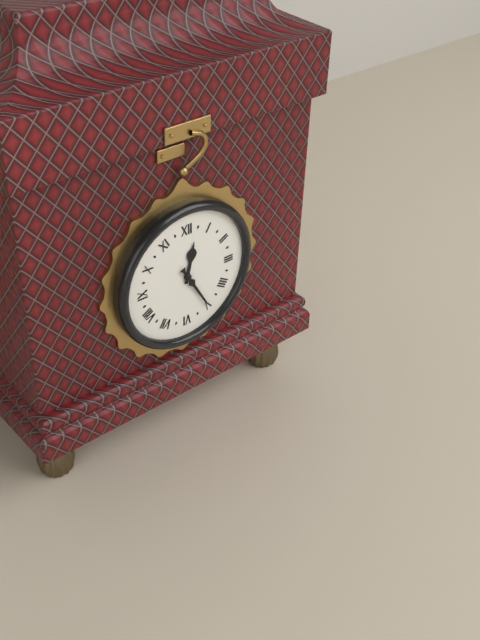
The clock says 12:25
